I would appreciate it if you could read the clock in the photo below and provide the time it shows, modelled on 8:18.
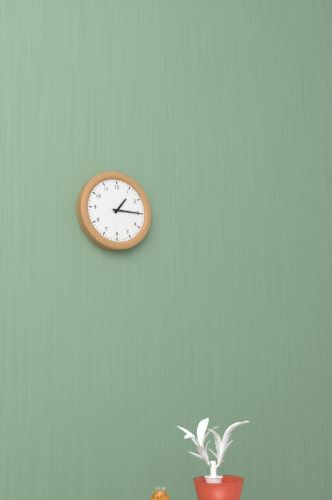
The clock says 1:15
